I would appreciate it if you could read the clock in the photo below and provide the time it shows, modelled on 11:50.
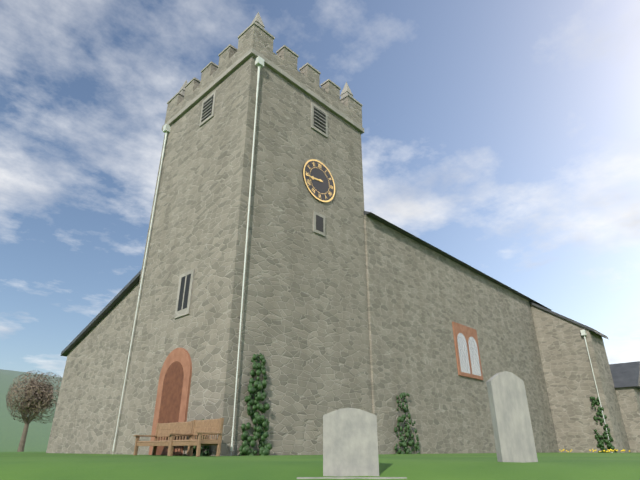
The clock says 8:44
